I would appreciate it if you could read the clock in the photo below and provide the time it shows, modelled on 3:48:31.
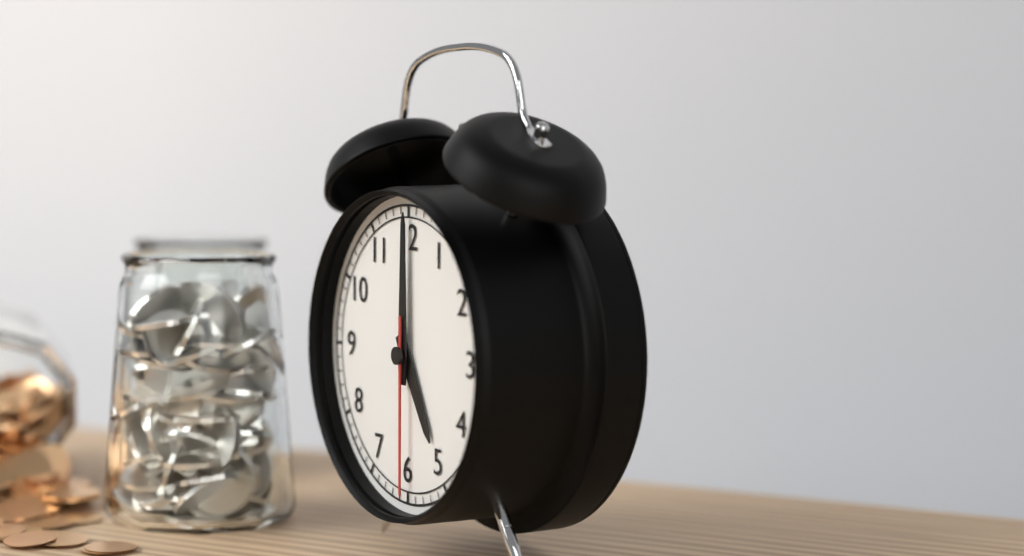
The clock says 5:00:30
